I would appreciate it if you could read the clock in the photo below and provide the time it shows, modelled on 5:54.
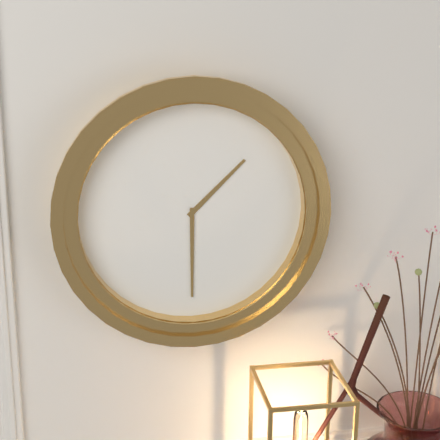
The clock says 1:30
